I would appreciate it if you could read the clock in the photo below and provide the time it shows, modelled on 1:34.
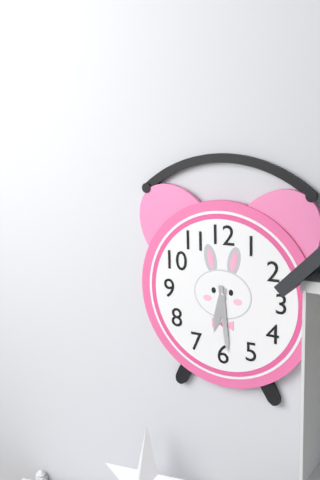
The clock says 6:29
